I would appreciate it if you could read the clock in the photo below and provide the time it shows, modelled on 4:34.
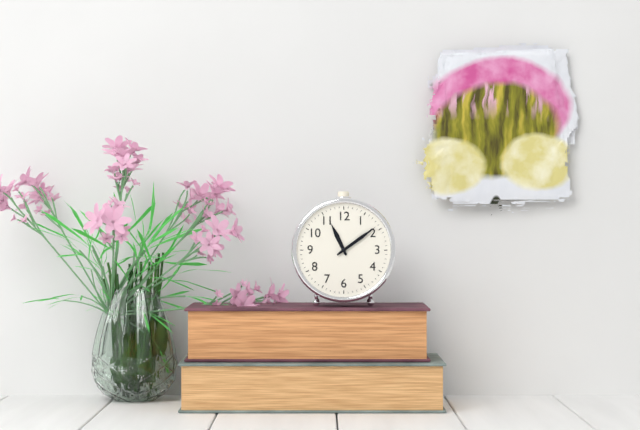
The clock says 11:09
